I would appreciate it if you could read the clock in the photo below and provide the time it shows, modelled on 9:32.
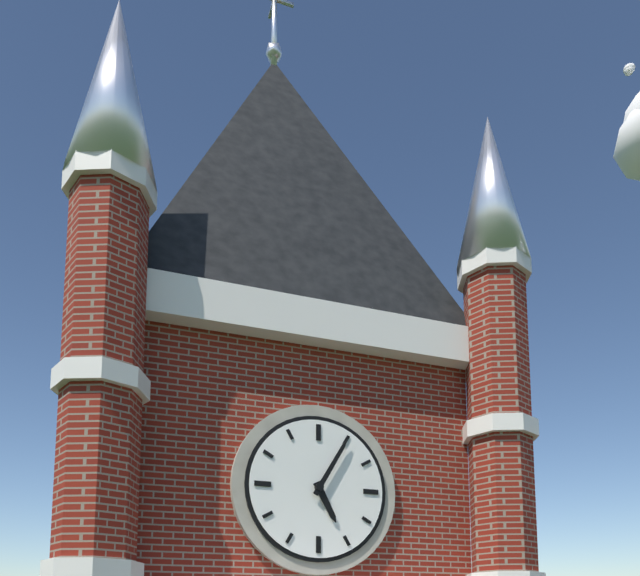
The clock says 5:05
